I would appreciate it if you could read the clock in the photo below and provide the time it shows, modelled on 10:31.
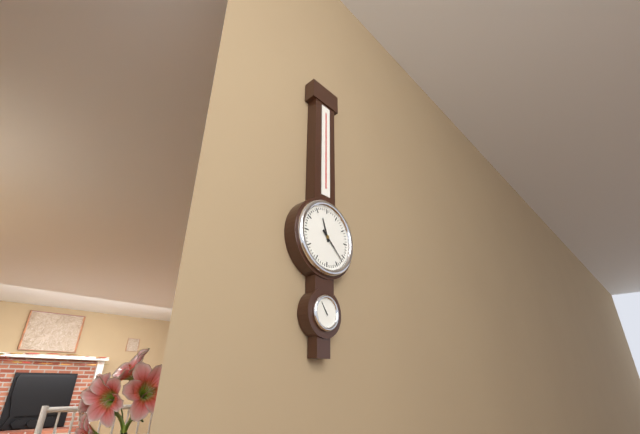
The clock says 11:22
